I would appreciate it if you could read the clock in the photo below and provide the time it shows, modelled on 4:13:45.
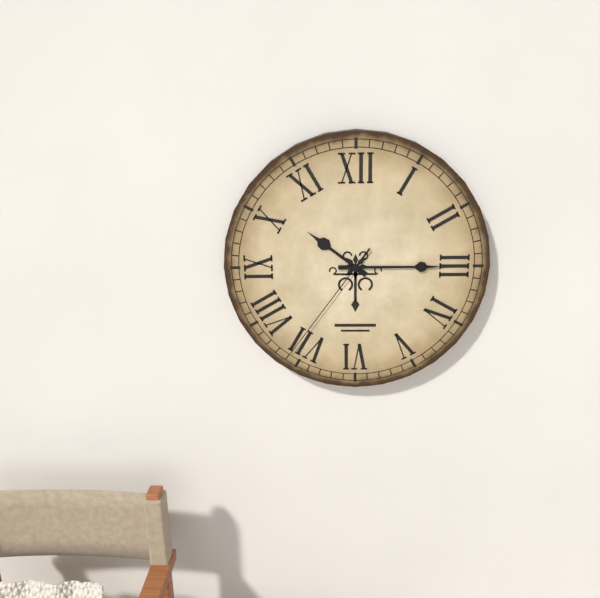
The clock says 10:15:36
